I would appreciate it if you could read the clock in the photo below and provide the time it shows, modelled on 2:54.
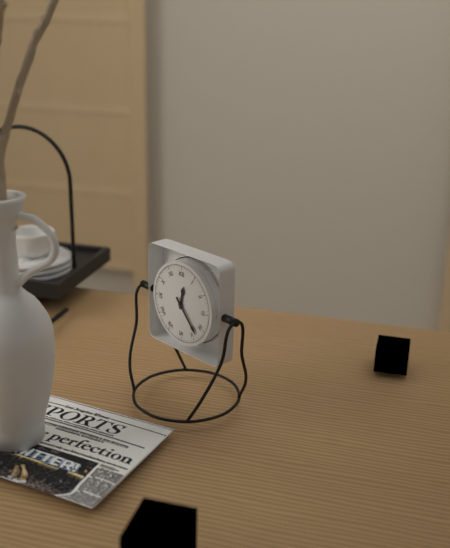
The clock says 12:23
